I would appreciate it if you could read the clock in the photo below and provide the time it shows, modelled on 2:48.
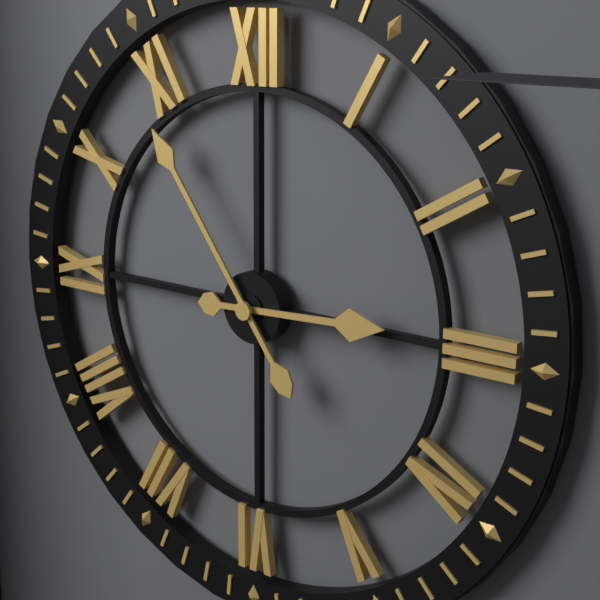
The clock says 2:54
